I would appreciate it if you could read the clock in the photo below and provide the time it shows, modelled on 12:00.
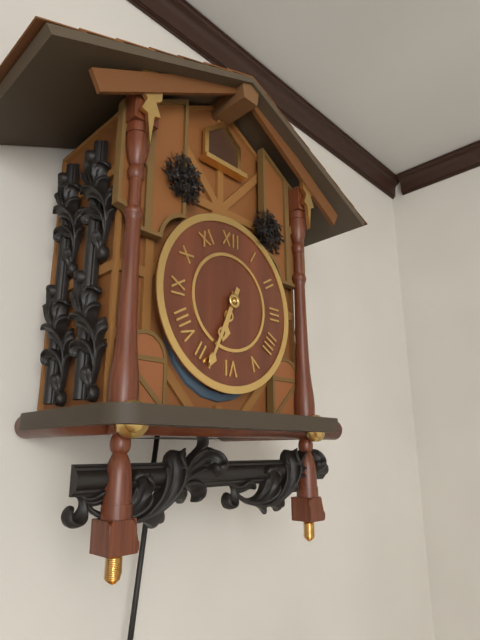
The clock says 6:34
